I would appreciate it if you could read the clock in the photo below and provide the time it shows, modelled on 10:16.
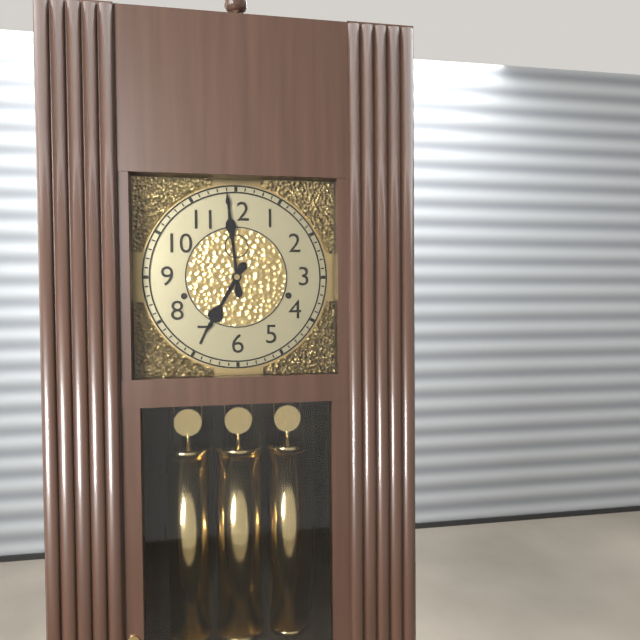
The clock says 6:59
